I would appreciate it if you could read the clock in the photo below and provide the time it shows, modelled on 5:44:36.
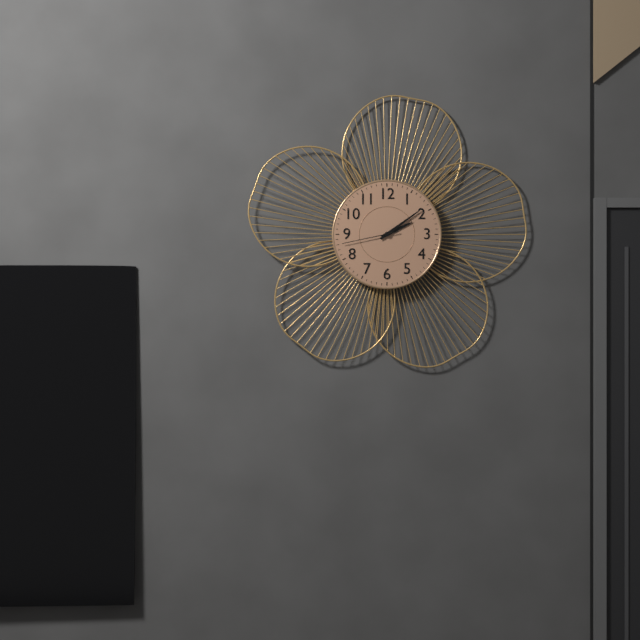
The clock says 2:09:43
